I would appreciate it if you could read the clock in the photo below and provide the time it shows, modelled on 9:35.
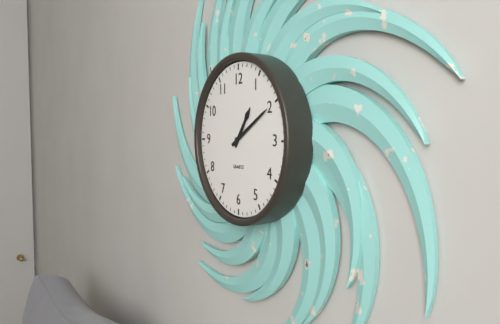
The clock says 1:10
